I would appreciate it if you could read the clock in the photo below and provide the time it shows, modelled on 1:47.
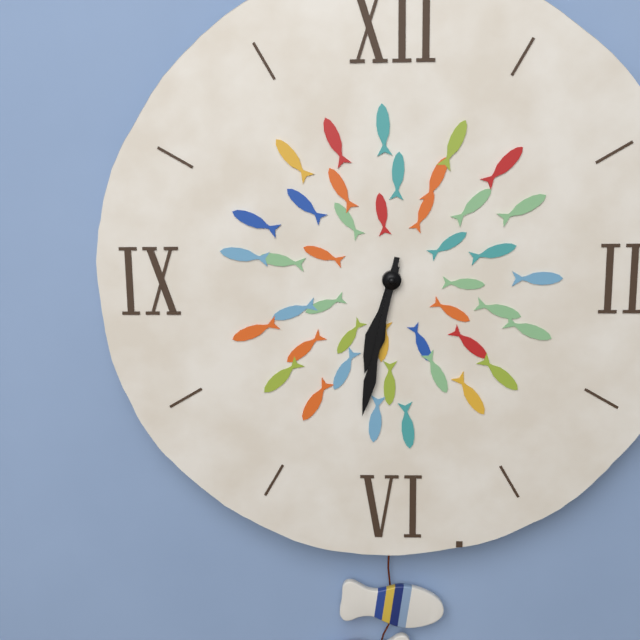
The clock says 6:32
